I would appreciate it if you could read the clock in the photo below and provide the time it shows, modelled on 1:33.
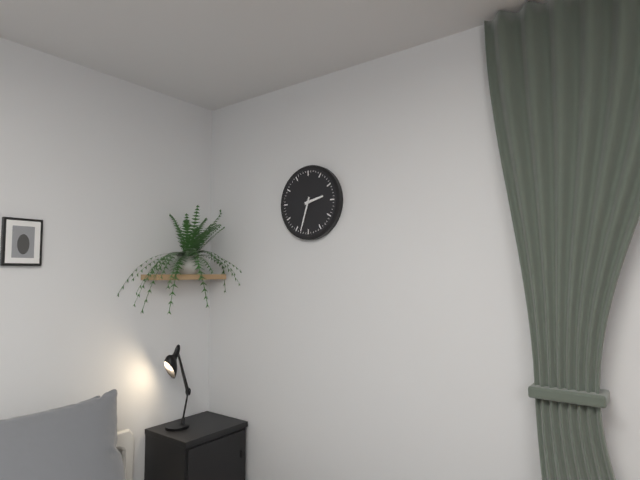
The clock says 2:33
